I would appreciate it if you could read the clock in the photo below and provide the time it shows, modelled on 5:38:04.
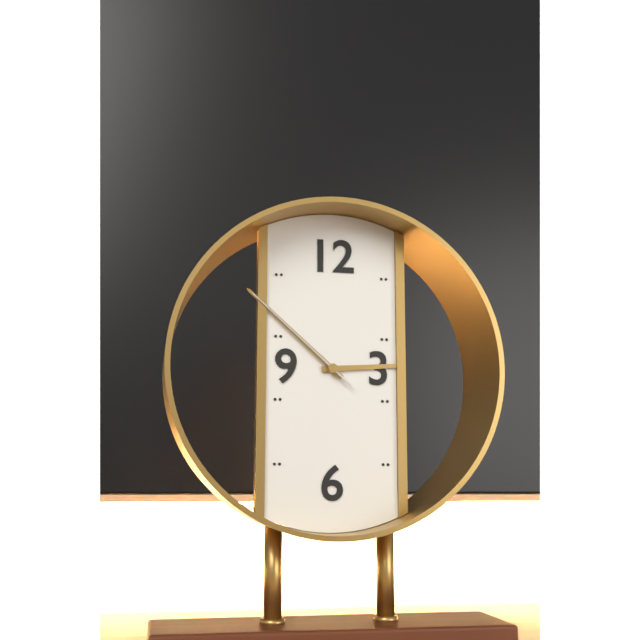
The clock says 2:52:52
